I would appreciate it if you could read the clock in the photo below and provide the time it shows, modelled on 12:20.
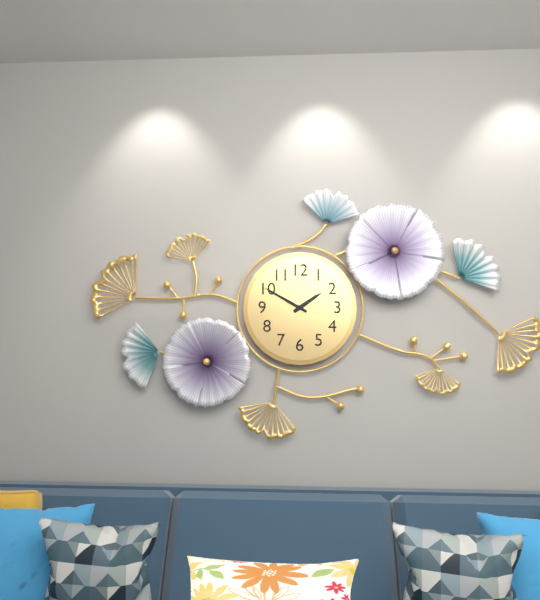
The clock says 1:50
